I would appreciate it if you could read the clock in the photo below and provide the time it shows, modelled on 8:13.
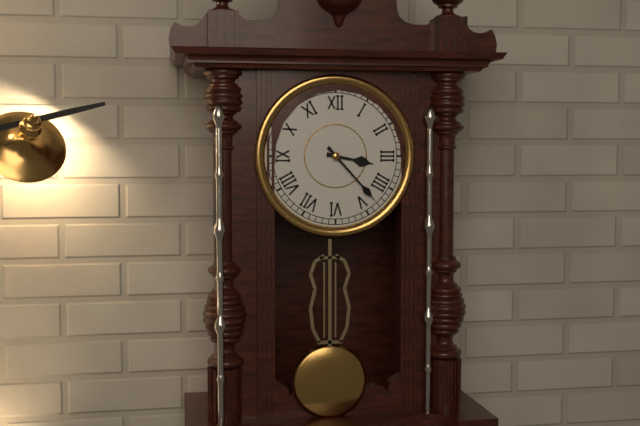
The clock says 3:23
